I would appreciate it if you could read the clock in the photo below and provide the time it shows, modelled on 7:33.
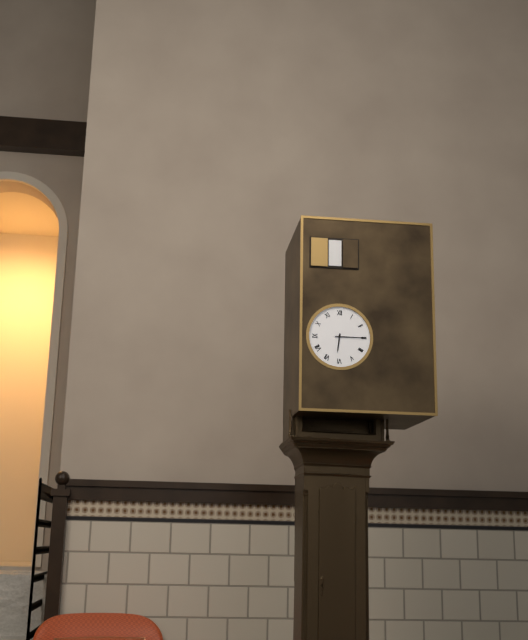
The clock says 6:15
